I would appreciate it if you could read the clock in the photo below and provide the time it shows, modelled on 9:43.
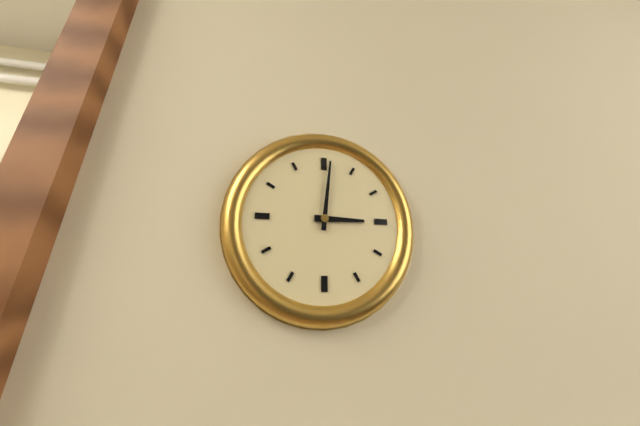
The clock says 3:01
